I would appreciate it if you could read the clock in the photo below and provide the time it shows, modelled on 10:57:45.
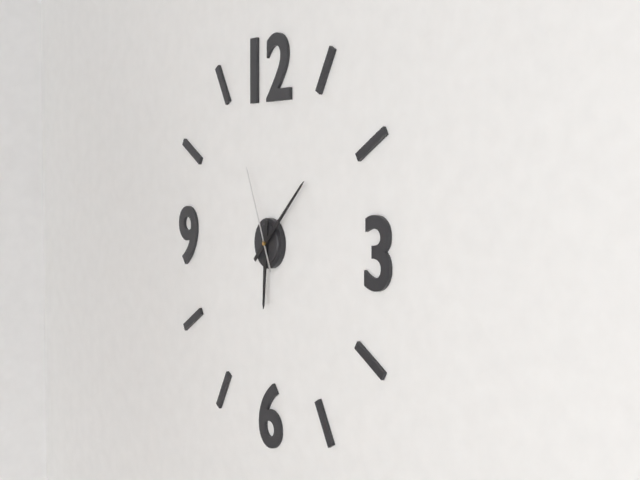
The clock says 6:08:56
